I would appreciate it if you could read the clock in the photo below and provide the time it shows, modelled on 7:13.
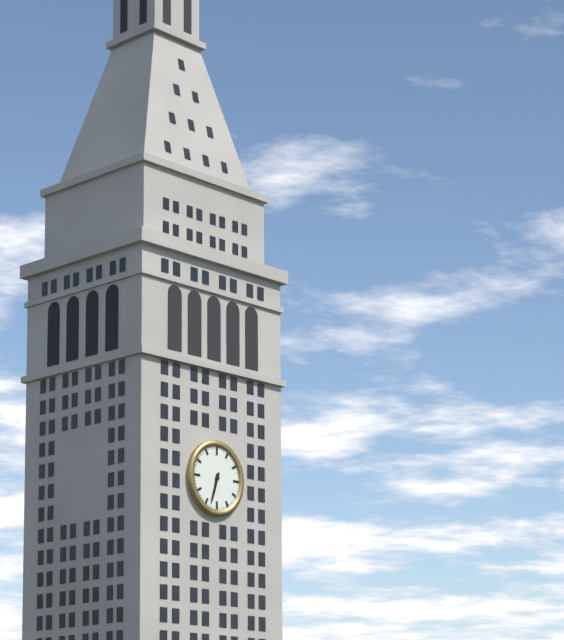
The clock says 6:33
